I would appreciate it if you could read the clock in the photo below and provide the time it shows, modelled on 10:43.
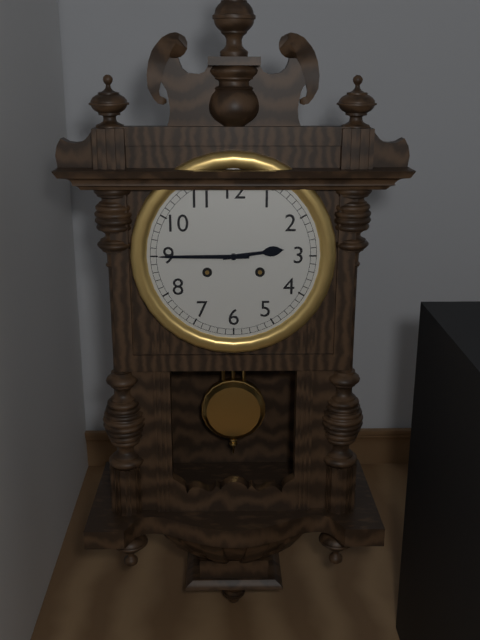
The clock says 2:45
